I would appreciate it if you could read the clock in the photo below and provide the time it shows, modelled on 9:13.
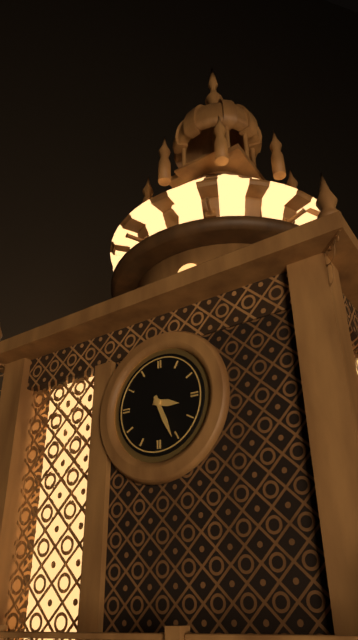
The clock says 3:26
